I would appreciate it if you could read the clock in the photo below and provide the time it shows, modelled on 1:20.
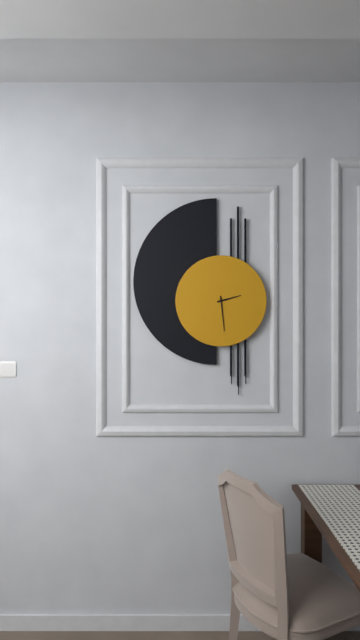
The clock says 2:29
